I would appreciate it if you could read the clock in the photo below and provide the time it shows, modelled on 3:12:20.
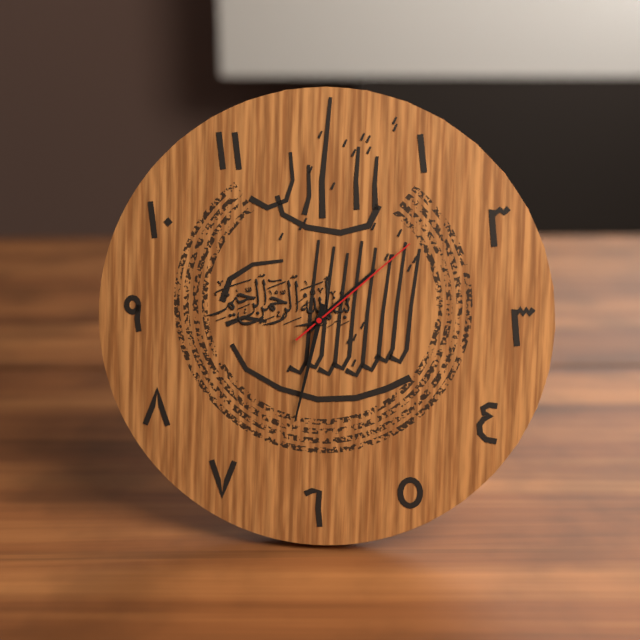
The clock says 1:32:08
